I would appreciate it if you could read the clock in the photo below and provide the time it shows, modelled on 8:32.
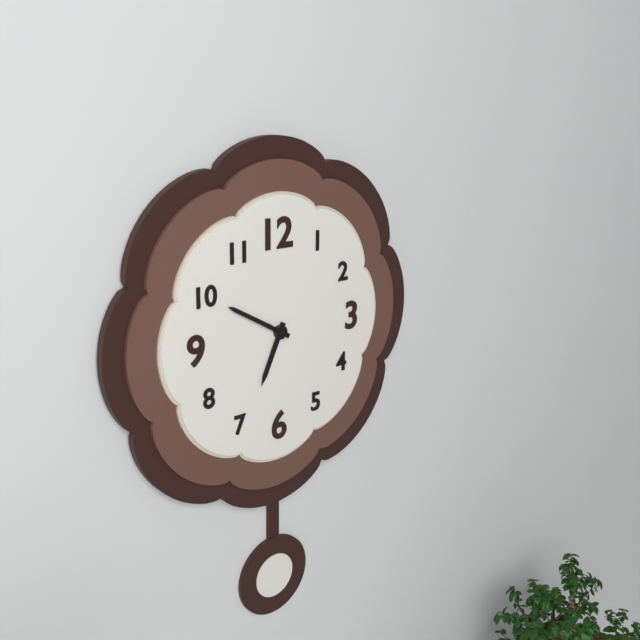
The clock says 6:50
